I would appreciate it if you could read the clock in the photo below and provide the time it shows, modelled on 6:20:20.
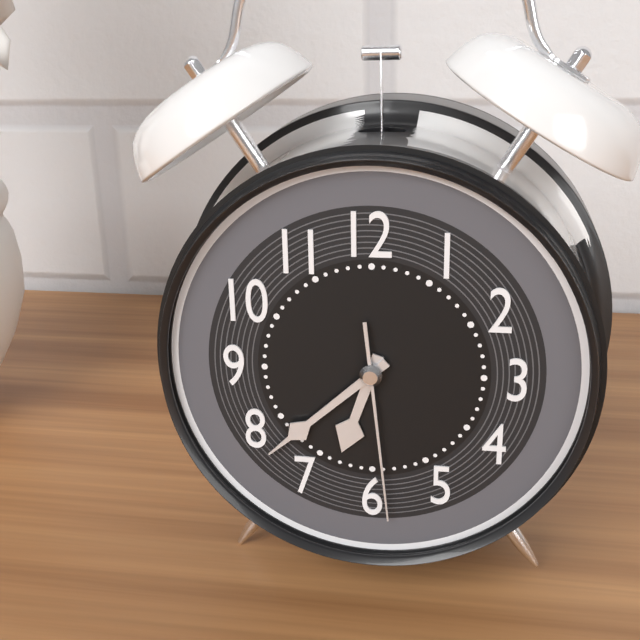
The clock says 6:38:29
